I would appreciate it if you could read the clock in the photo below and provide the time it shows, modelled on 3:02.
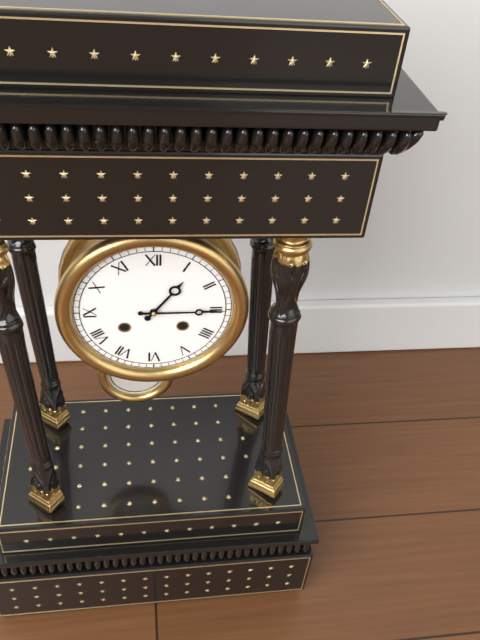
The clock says 1:15
